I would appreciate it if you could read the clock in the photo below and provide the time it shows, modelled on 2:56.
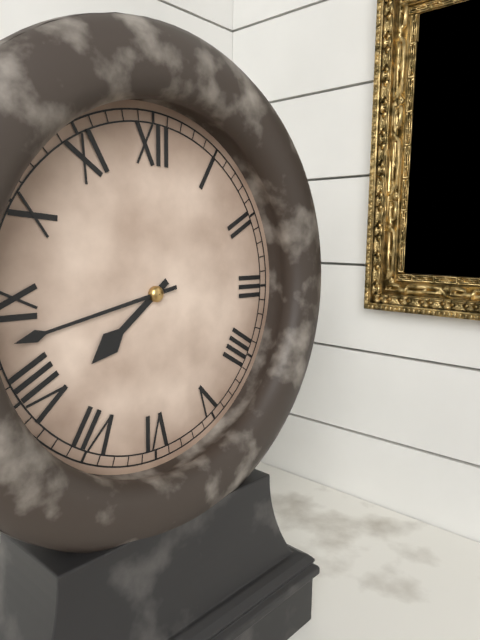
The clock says 7:43
